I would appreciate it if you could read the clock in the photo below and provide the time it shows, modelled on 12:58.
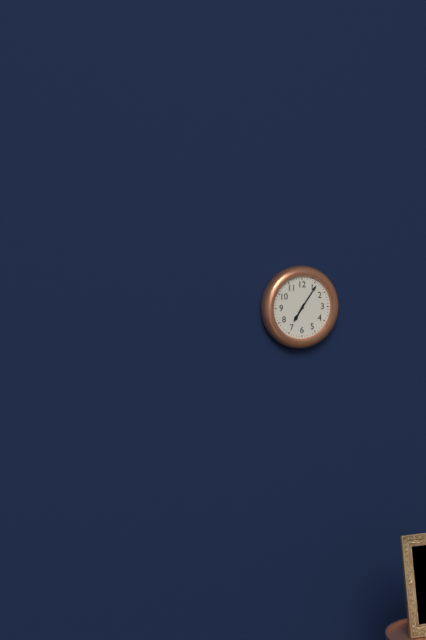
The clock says 7:06
